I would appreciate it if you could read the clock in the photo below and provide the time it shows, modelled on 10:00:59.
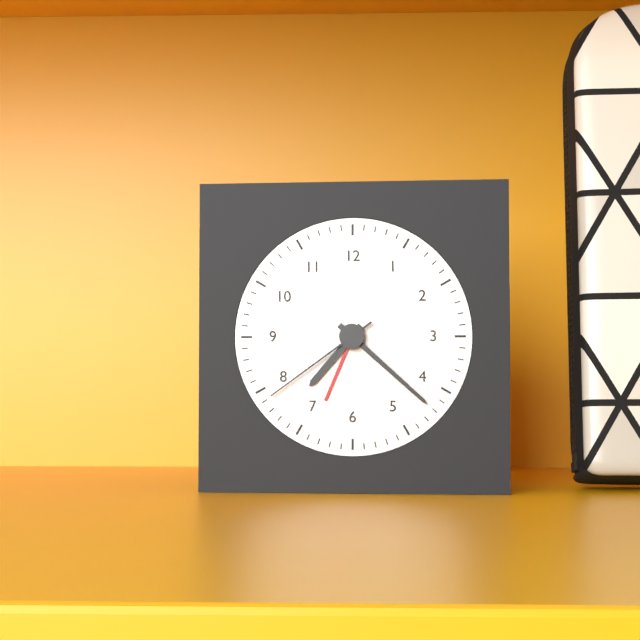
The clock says 7:22:39
